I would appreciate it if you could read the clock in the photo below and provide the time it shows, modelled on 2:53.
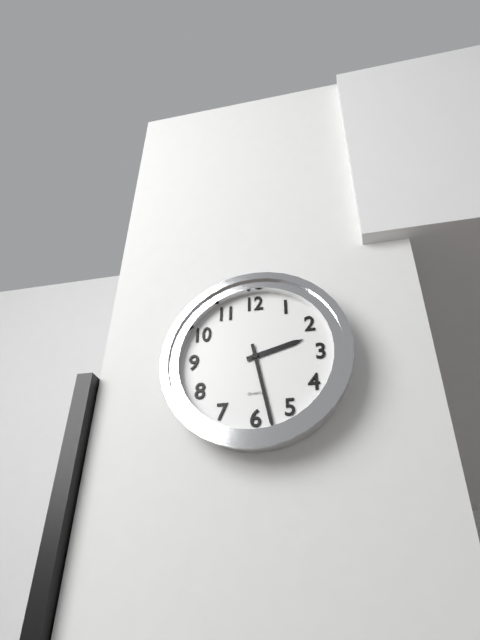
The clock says 2:28
